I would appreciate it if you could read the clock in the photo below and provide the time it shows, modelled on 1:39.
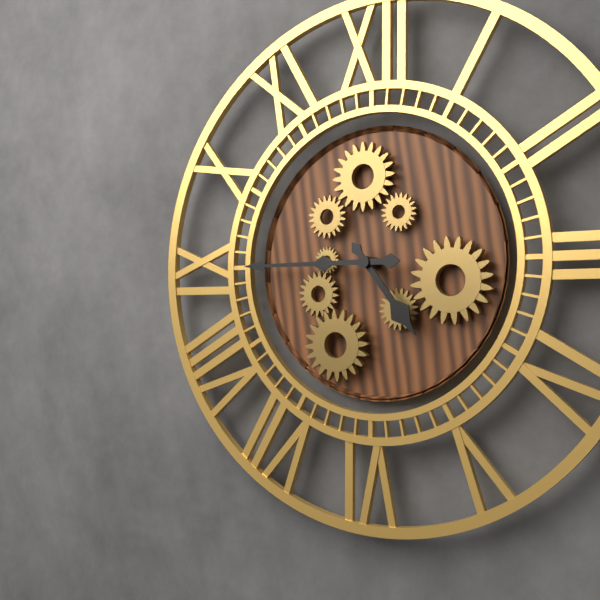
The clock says 4:45
